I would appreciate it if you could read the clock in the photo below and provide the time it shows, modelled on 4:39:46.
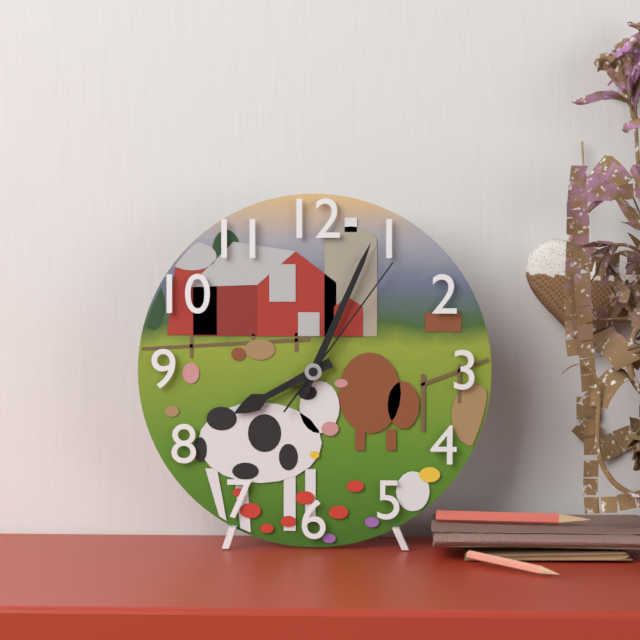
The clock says 8:04:06
